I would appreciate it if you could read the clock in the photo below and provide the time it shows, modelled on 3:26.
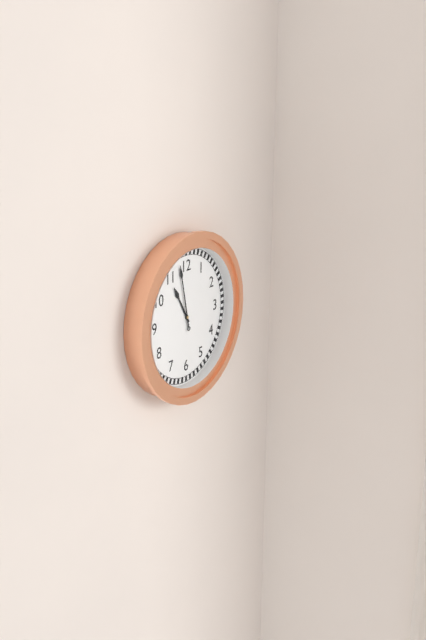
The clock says 10:58
